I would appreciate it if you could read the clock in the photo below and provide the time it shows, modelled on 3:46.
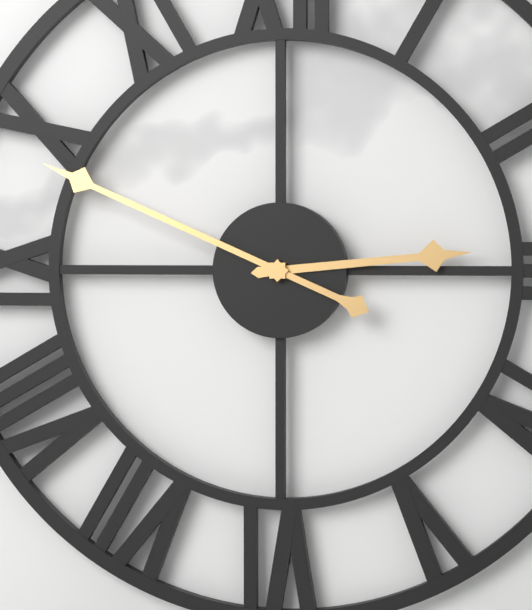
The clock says 2:49
